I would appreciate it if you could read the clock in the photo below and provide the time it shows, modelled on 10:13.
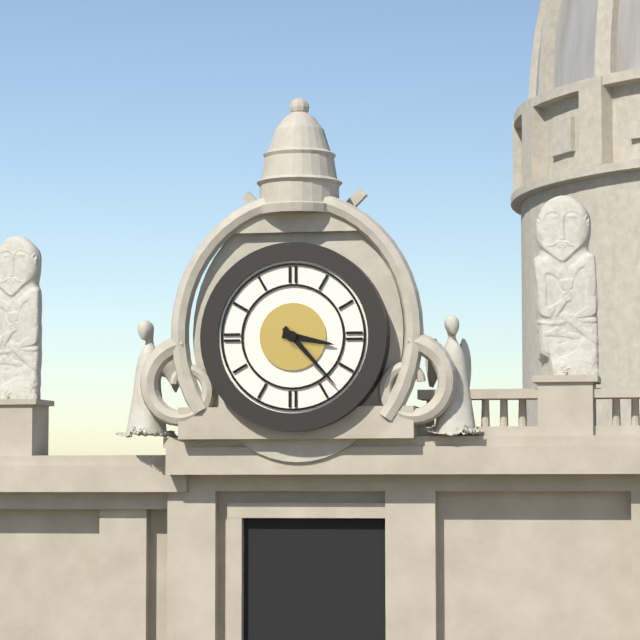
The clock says 3:23
